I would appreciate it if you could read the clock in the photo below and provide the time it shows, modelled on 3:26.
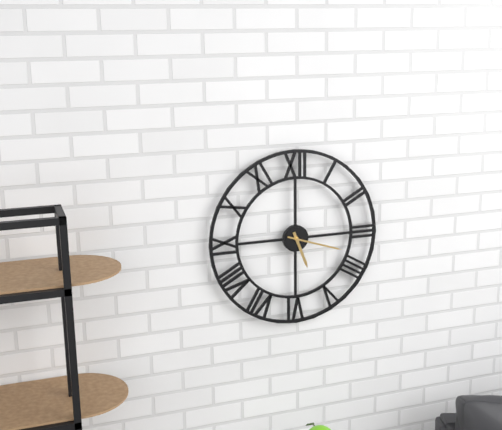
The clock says 5:18
